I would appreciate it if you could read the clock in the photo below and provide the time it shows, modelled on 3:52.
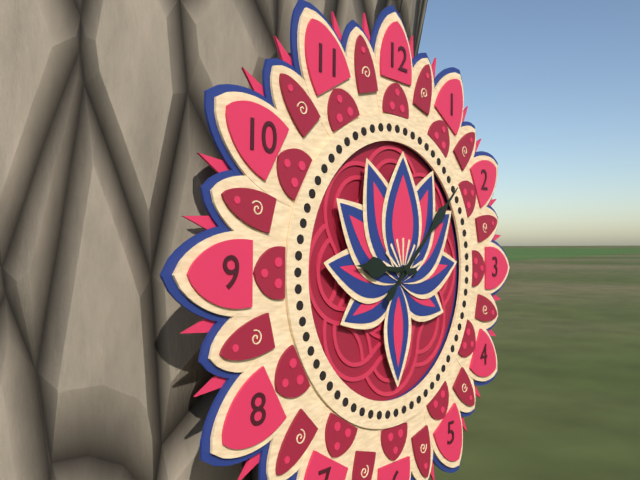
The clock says 9:08
